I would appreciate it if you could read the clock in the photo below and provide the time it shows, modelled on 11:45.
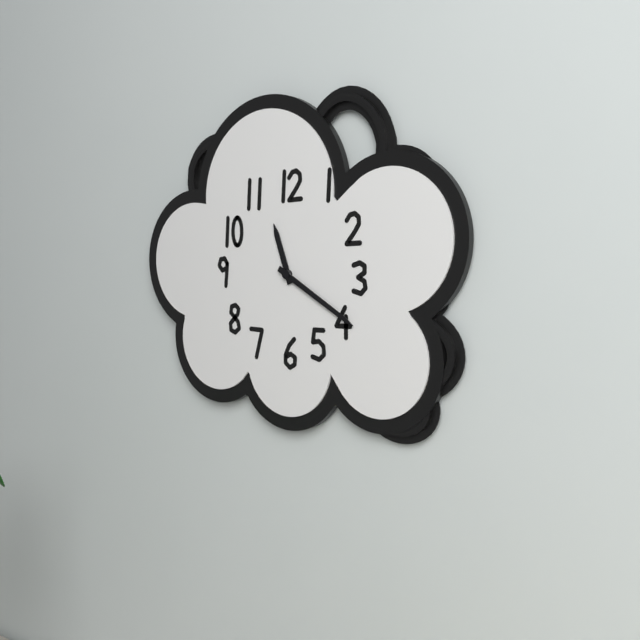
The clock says 11:20
